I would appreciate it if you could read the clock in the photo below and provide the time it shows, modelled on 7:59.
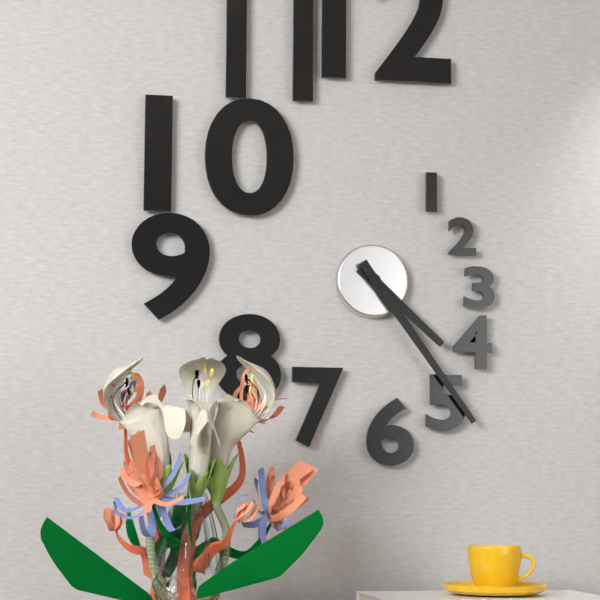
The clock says 4:24
